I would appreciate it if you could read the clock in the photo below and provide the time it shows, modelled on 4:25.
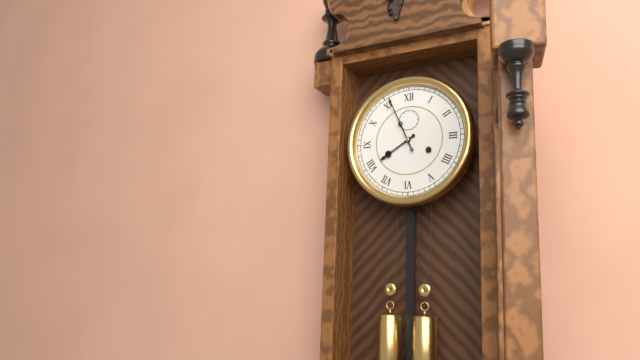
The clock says 7:56
